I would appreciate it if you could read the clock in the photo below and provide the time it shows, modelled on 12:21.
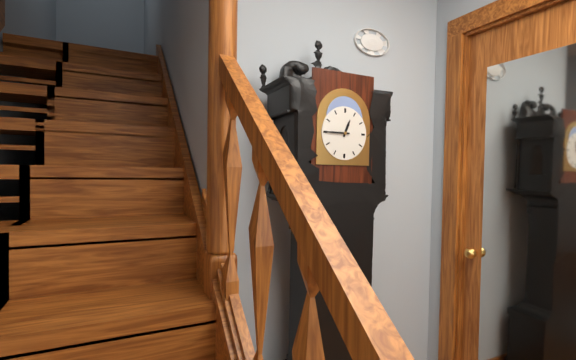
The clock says 12:45
